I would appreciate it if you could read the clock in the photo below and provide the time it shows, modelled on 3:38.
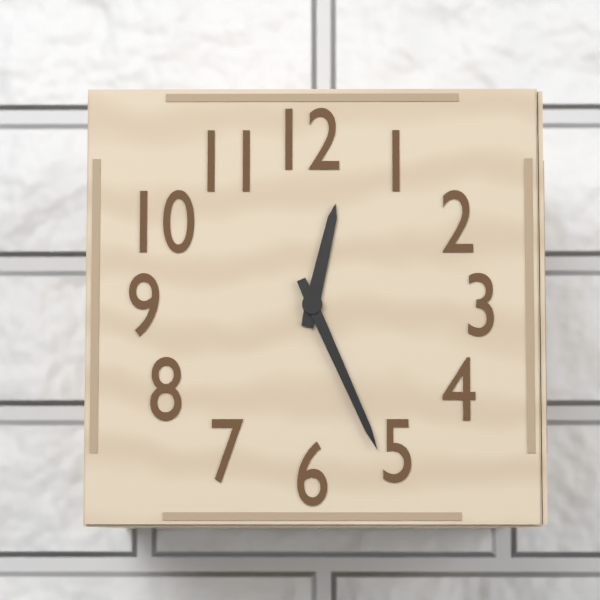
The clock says 12:26
